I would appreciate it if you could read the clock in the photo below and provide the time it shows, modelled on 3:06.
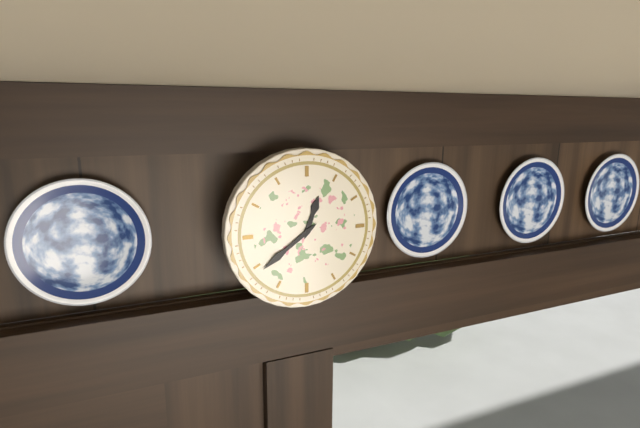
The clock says 12:39
